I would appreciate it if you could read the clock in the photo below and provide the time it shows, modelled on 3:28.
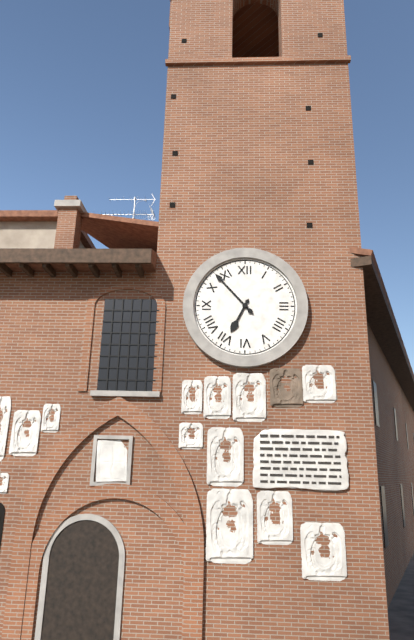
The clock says 6:53
